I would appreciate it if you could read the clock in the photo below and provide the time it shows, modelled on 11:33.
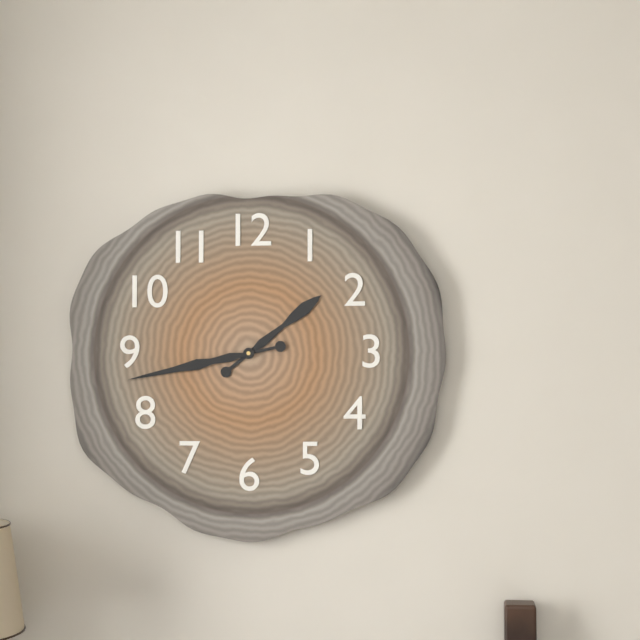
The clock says 1:43
